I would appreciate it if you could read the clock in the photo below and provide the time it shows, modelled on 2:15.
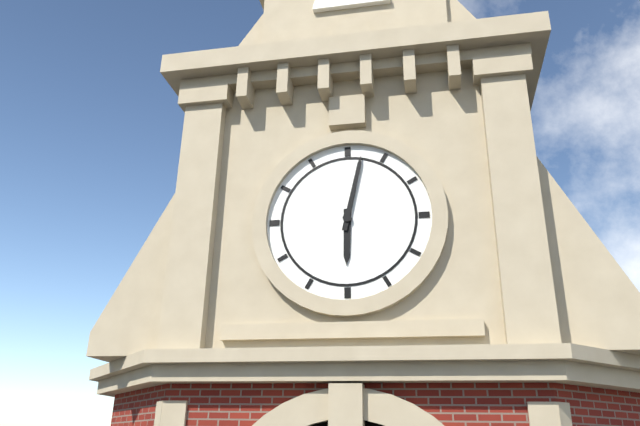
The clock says 6:02
